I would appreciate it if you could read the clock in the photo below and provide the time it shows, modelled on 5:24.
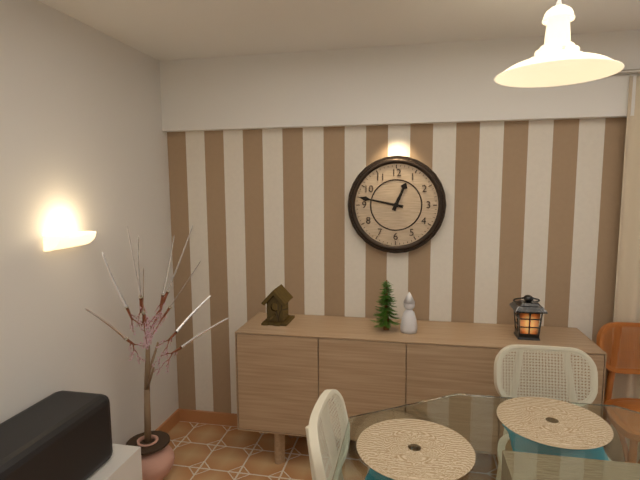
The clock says 12:47
